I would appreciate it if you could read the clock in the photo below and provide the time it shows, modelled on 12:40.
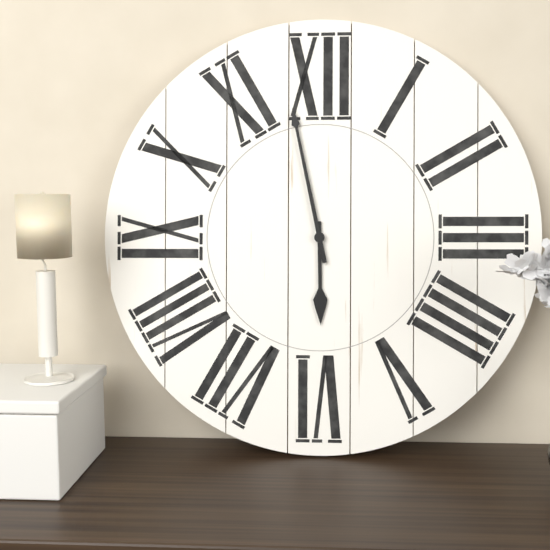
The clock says 5:58
